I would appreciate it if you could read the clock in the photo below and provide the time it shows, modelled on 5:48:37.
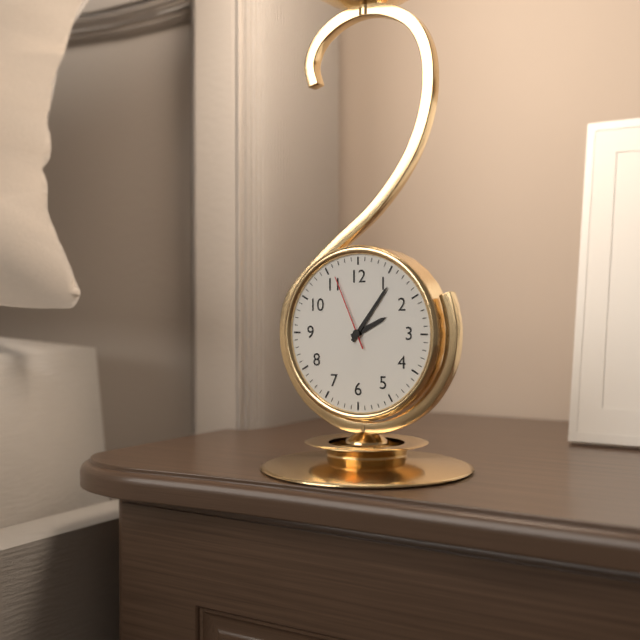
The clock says 2:06:56
